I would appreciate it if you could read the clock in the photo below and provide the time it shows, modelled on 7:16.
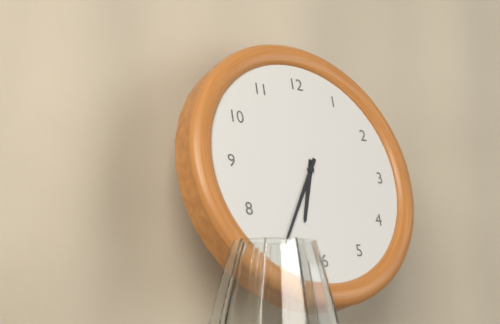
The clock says 6:35
